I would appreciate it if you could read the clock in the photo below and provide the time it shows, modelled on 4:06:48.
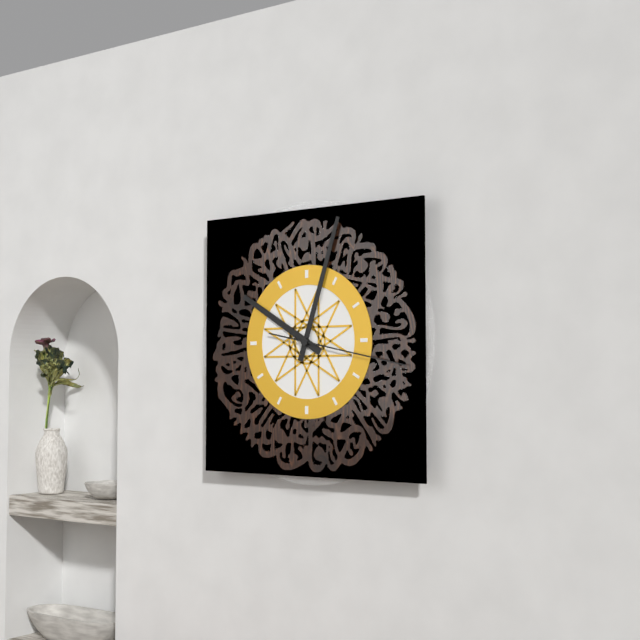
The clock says 10:03:17
